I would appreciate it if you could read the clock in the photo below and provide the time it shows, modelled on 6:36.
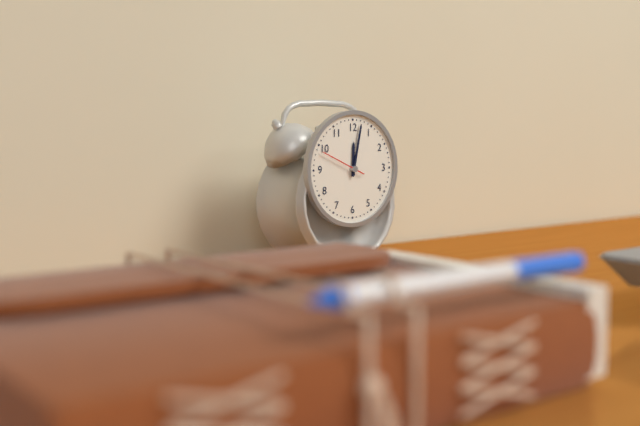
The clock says 12:02
